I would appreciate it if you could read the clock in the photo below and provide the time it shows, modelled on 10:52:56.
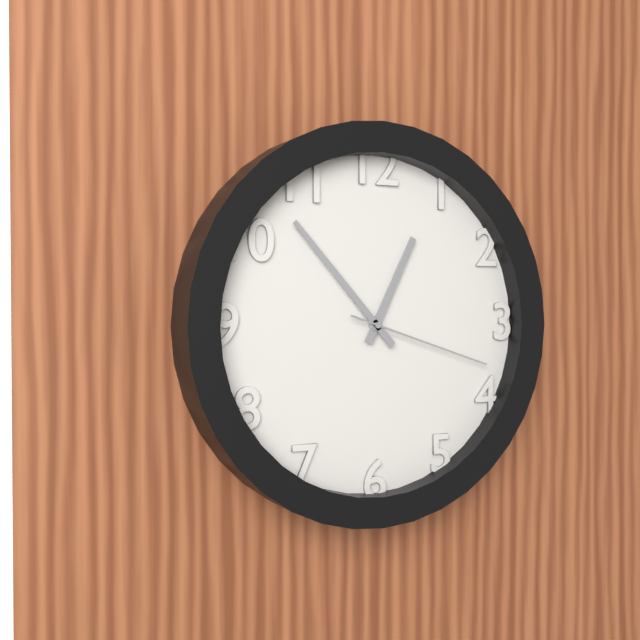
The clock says 12:53:18
